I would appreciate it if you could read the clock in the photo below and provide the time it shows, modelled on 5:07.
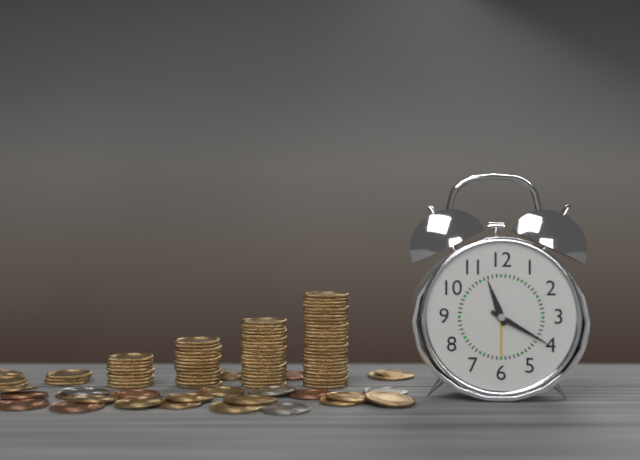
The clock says 11:20
